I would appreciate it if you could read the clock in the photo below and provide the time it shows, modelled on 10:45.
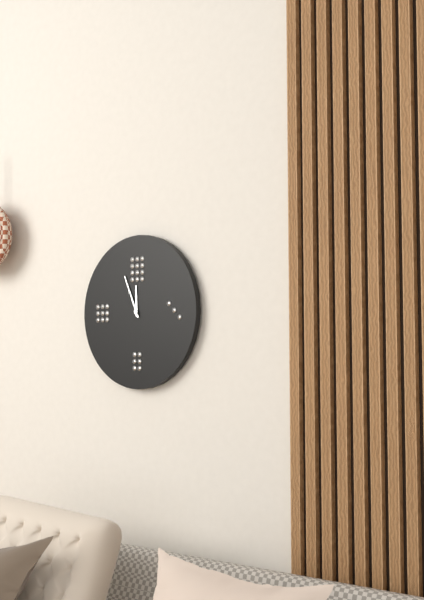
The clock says 11:56
